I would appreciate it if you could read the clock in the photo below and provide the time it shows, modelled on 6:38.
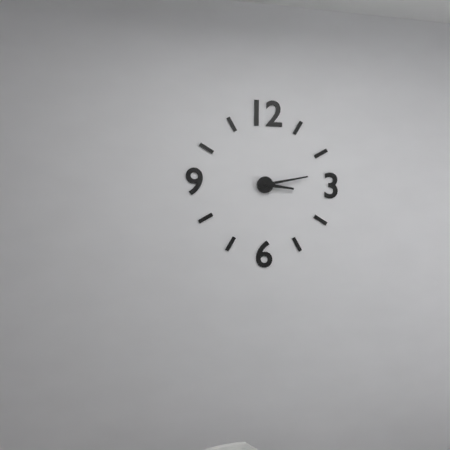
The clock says 3:13
